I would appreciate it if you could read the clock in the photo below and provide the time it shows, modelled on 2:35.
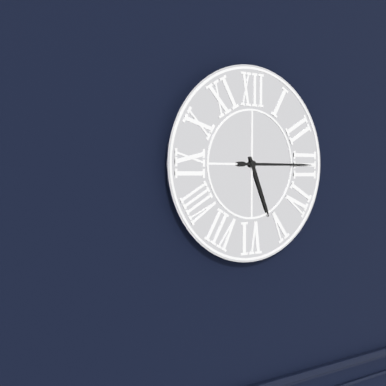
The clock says 5:15
